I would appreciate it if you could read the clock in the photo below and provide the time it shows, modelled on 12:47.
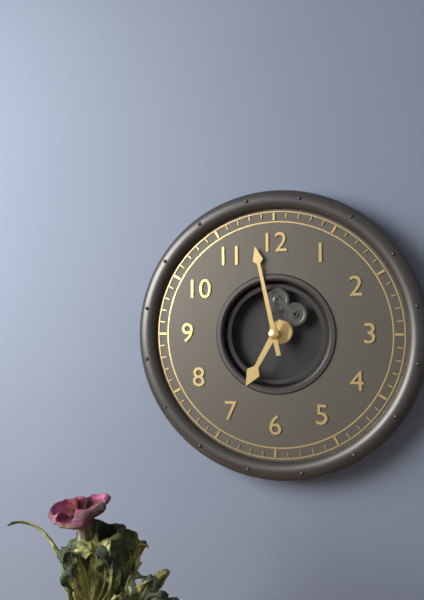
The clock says 6:58
